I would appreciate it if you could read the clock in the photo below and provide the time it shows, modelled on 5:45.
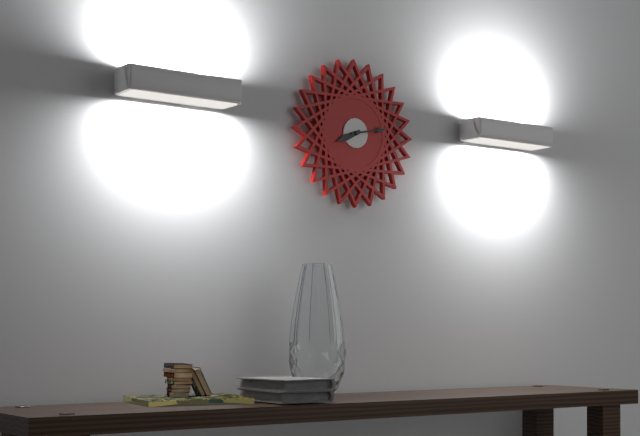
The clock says 8:13
